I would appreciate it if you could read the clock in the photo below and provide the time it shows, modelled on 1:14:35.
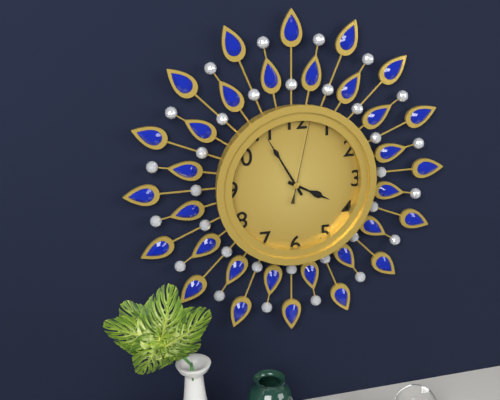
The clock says 3:55:02
